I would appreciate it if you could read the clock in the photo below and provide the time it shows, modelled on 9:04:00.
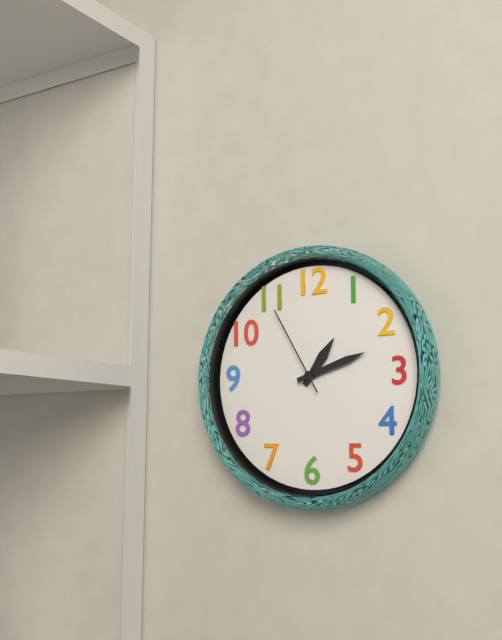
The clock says 1:12:55
